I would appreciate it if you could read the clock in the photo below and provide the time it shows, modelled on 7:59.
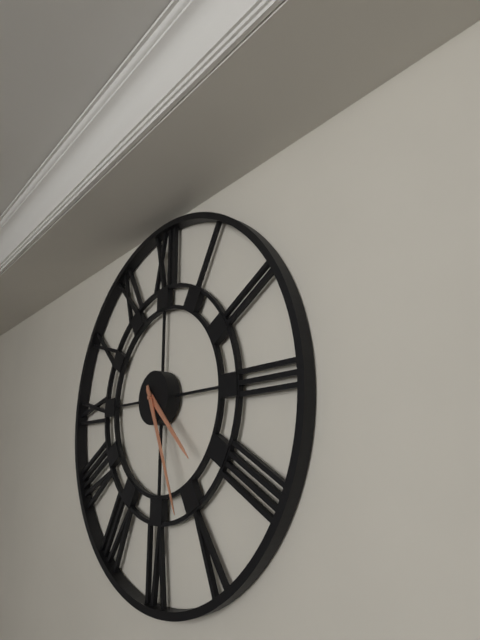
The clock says 4:26
